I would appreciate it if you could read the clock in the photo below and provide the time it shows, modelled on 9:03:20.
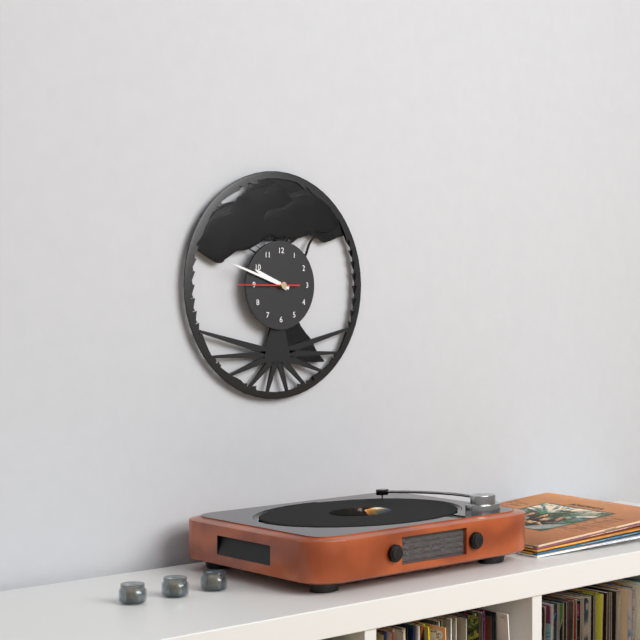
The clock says 9:48:45
